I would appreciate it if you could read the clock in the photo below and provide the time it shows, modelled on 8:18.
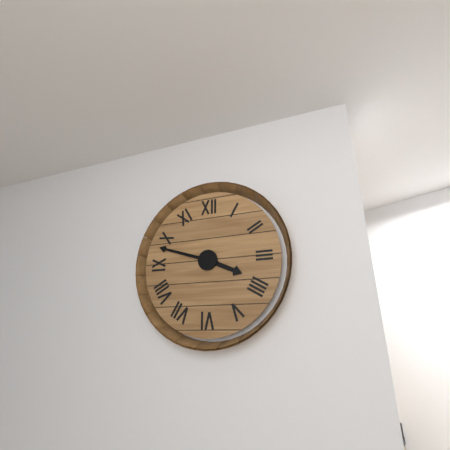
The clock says 3:48
